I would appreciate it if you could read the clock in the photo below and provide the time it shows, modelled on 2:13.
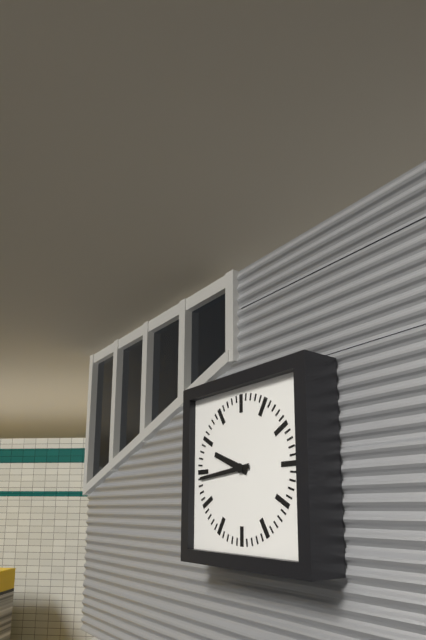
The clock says 9:44
